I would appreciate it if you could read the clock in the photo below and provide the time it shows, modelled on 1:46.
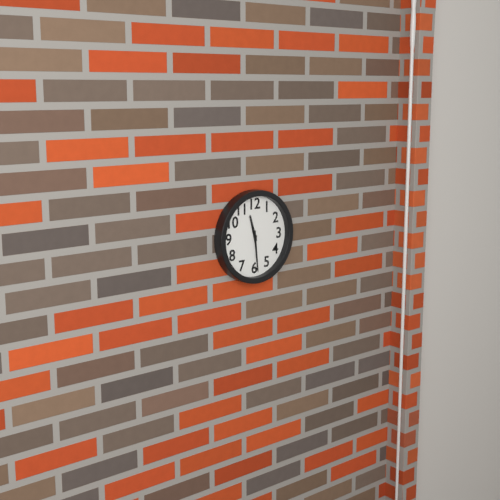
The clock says 11:29
